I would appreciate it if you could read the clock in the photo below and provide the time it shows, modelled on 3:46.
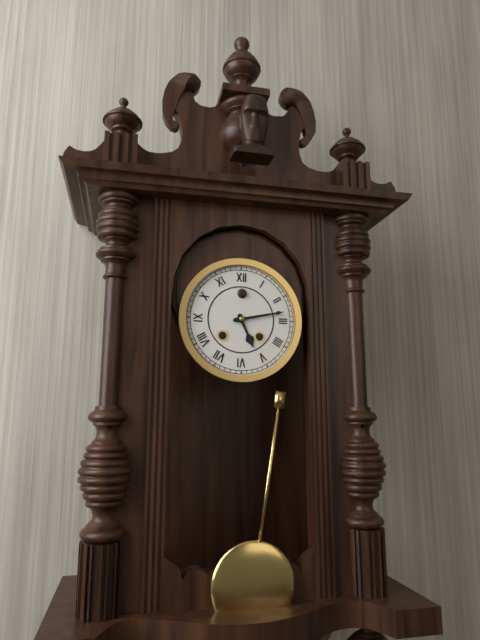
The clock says 5:13
